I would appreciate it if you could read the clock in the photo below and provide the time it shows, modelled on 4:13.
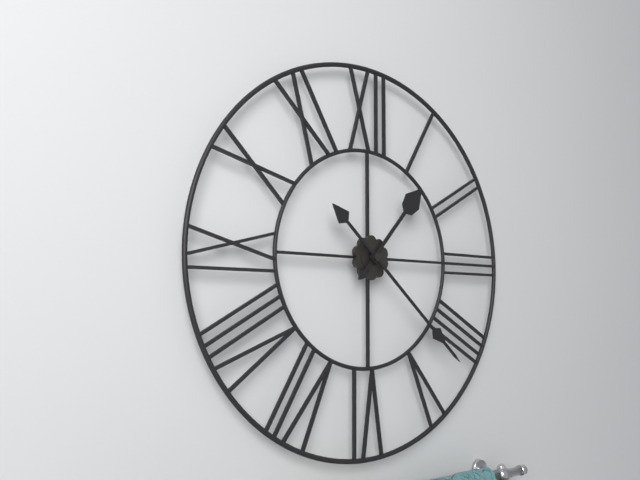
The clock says 1:22
